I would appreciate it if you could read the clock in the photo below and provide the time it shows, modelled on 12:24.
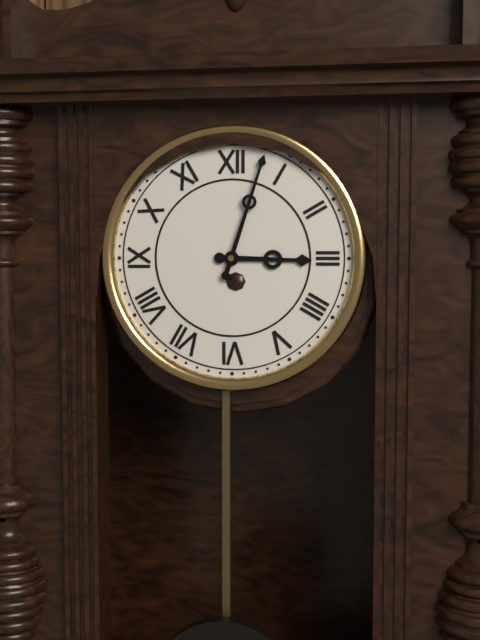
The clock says 3:03
